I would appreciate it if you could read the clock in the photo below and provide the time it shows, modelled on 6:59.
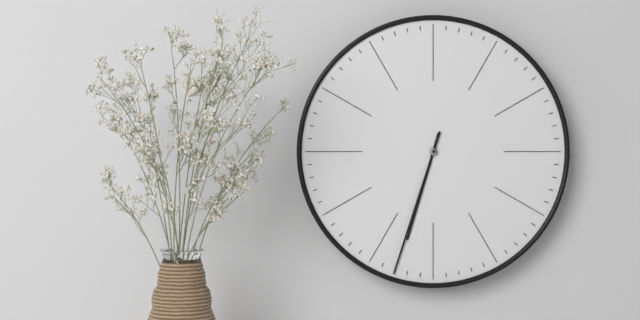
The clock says 6:33
